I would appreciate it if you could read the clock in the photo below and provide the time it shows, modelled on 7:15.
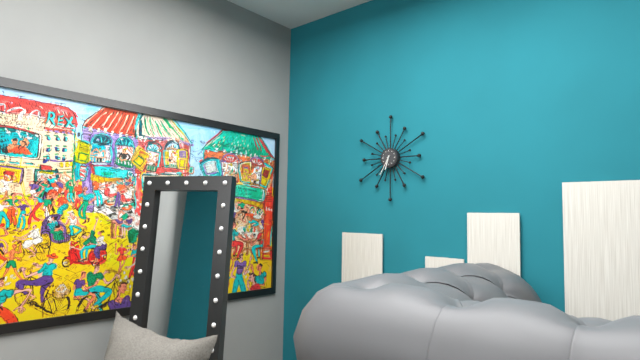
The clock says 6:35
